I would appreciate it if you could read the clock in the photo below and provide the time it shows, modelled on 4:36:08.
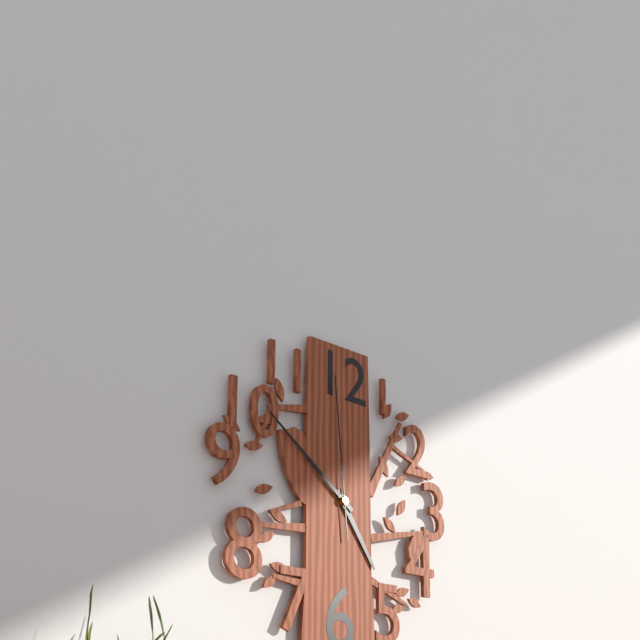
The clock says 4:51:59
